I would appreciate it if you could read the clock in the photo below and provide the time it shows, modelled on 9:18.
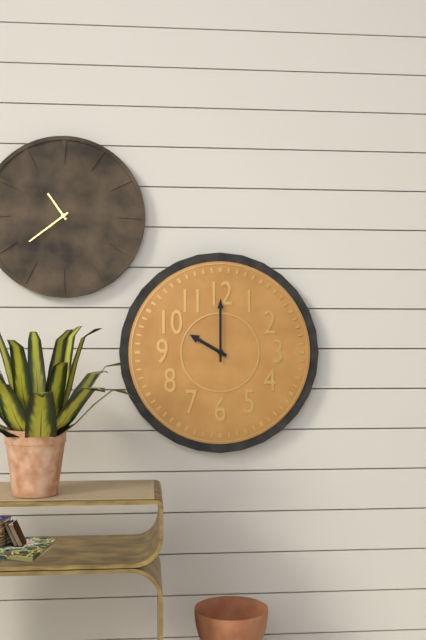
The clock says 10:00
